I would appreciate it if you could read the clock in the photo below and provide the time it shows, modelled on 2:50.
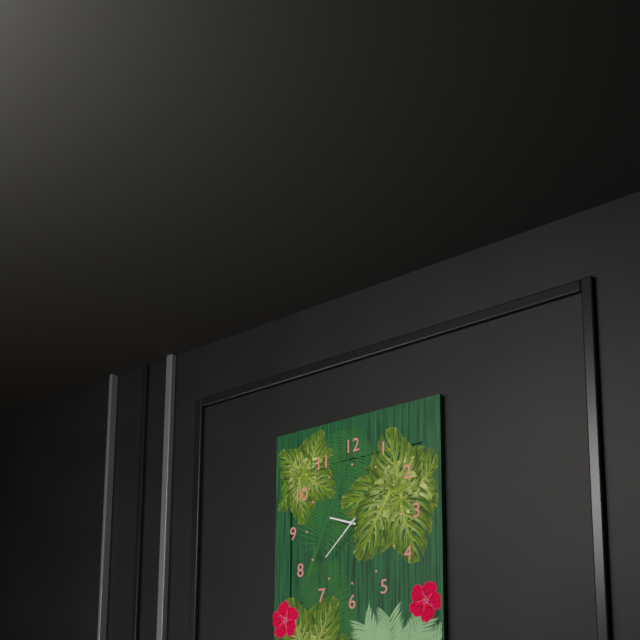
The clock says 9:38
